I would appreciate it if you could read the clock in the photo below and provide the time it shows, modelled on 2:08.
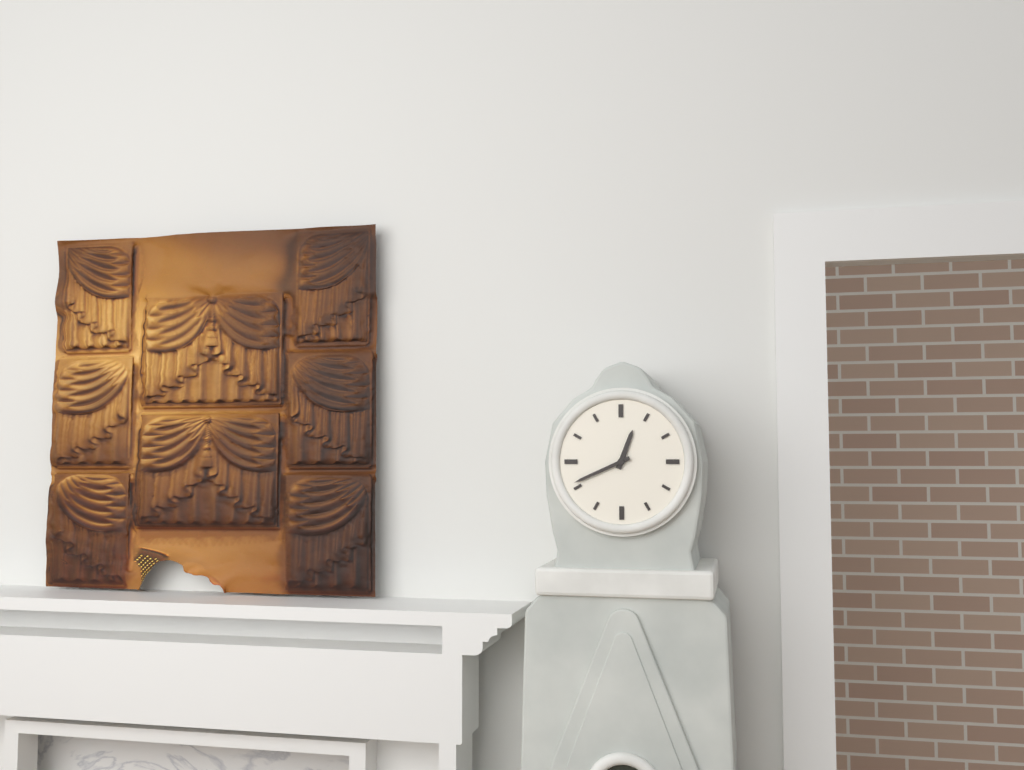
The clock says 12:41
